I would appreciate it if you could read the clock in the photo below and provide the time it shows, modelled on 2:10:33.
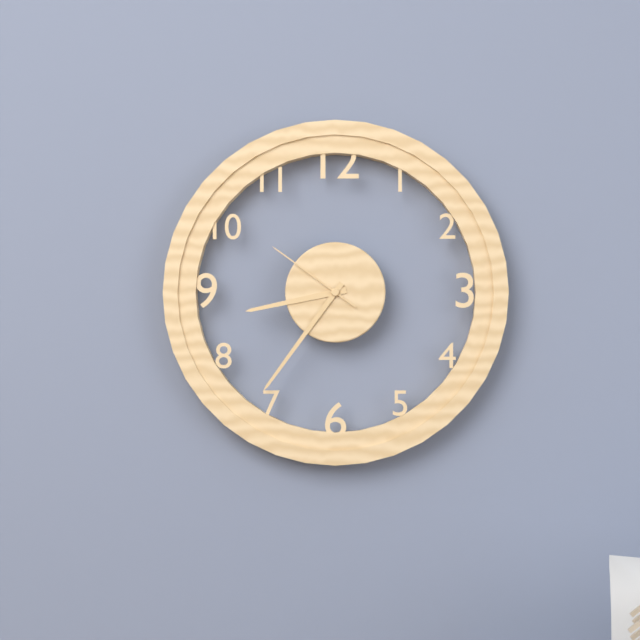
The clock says 8:36:51
